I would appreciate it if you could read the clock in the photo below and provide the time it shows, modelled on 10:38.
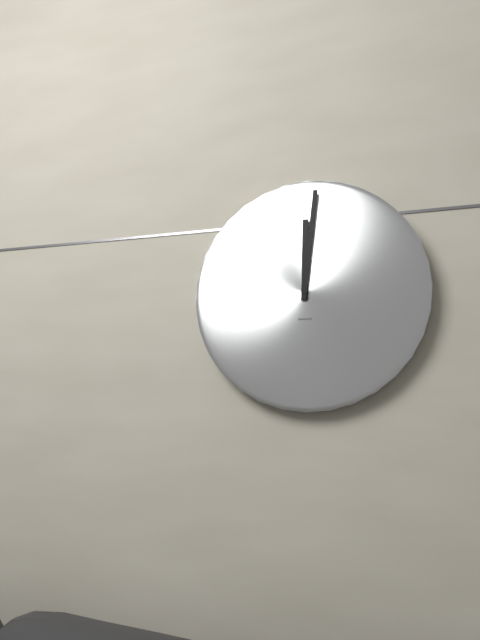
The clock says 12:01
